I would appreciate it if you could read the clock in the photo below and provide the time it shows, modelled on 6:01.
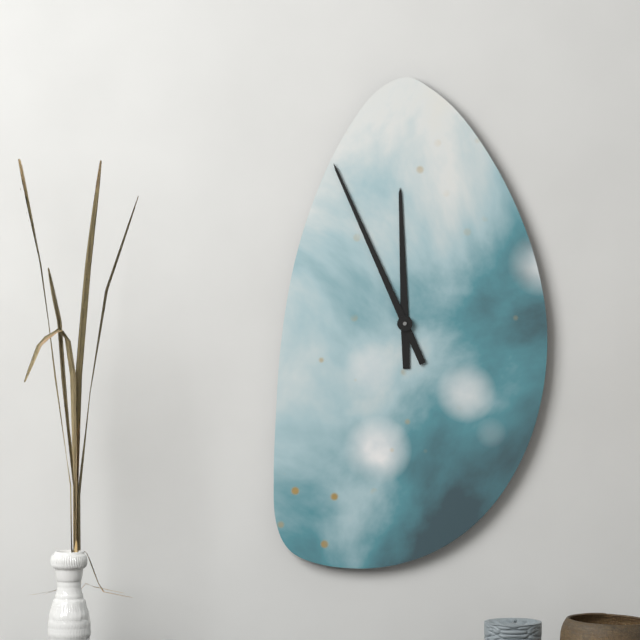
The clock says 11:56
